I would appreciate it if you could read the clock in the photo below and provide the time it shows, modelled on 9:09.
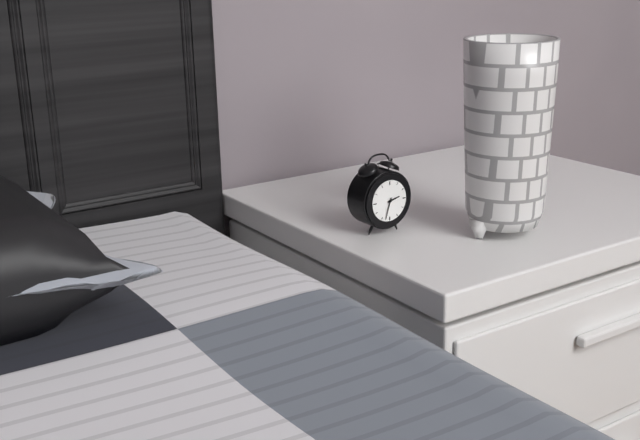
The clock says 2:33
